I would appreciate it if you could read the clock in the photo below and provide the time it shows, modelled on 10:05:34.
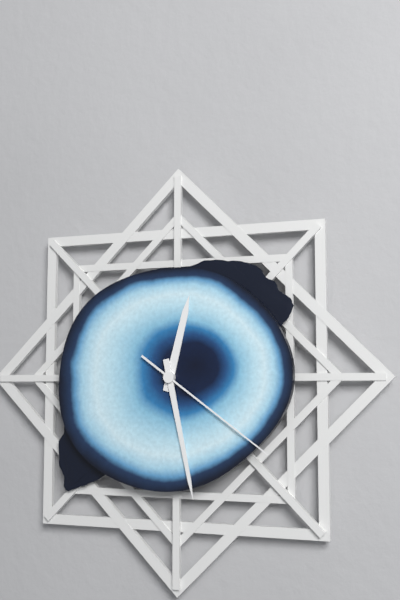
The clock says 12:28:21
